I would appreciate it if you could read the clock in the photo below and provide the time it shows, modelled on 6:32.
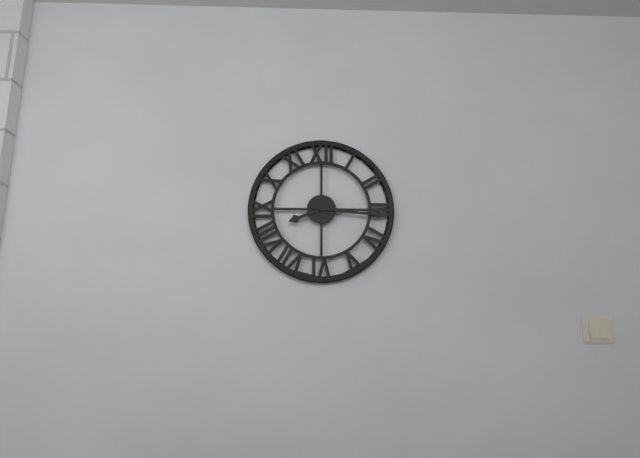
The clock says 8:16
